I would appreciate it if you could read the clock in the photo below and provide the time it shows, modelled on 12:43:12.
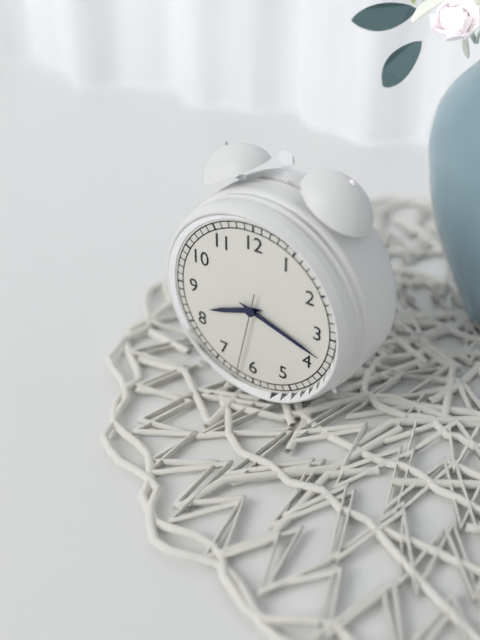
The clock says 8:18:32
